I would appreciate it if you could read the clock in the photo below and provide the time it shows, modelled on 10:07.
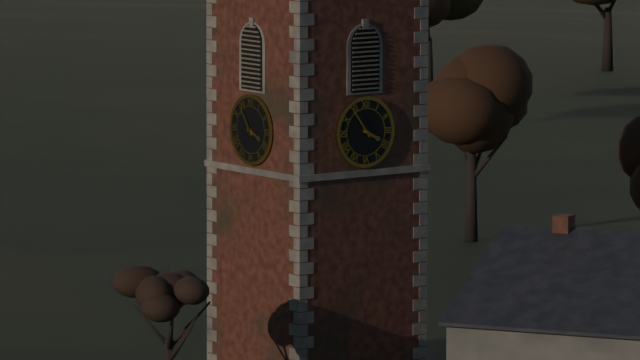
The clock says 3:54
